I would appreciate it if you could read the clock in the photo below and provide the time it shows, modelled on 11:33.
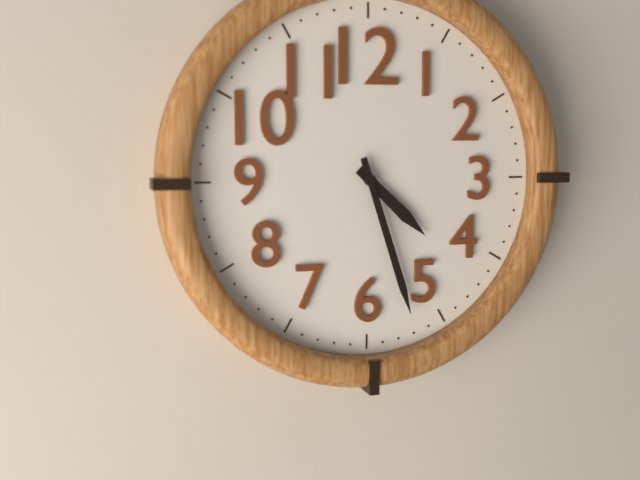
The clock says 4:27
